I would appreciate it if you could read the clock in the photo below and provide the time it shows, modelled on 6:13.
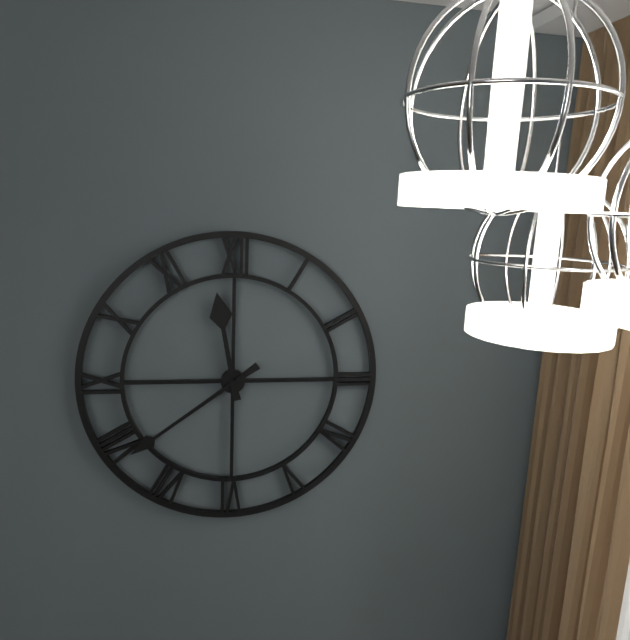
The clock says 11:39
